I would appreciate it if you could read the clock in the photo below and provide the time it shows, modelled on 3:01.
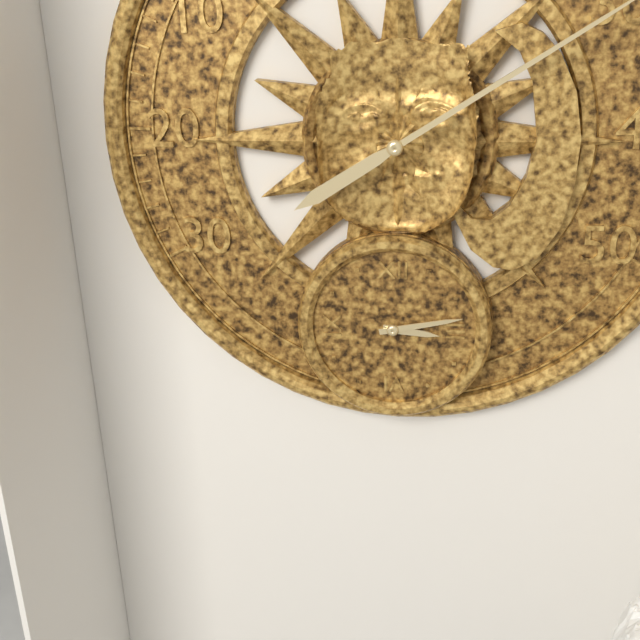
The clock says 3:13
